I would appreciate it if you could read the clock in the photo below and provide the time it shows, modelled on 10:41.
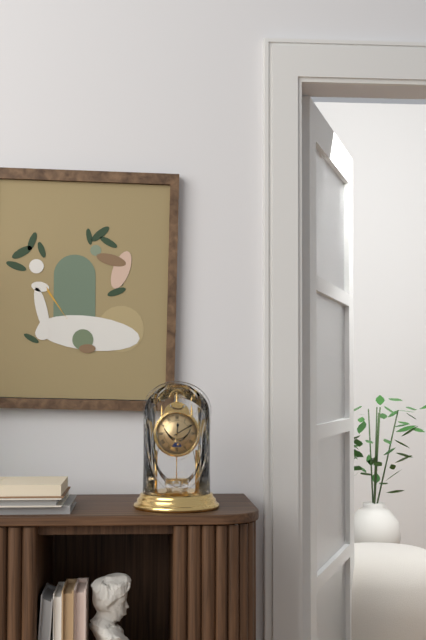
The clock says 12:10
